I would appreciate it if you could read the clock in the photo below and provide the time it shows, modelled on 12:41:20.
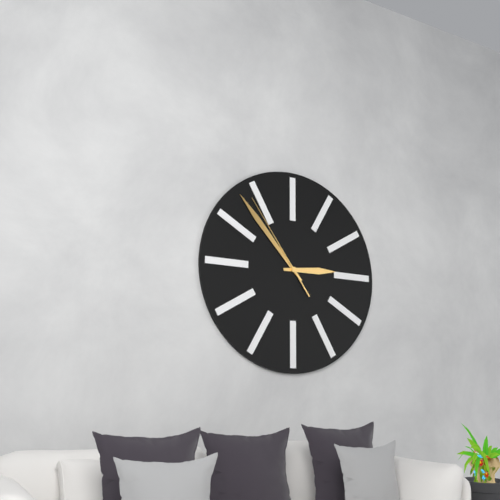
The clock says 2:53:54
